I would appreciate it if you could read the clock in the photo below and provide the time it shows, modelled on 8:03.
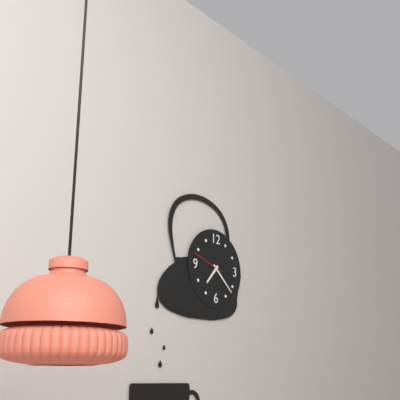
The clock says 7:22
